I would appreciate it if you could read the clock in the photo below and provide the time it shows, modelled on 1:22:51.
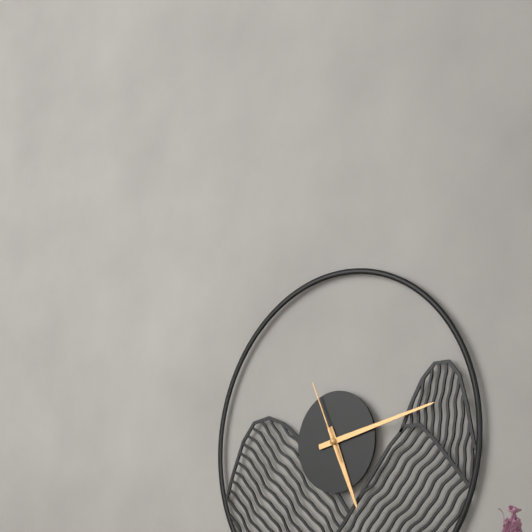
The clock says 5:13:56
